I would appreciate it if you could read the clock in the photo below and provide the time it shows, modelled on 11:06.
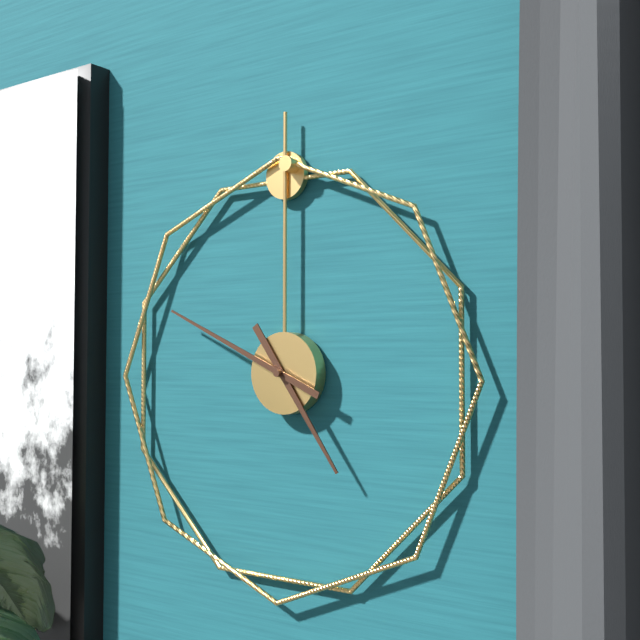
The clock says 4:49
